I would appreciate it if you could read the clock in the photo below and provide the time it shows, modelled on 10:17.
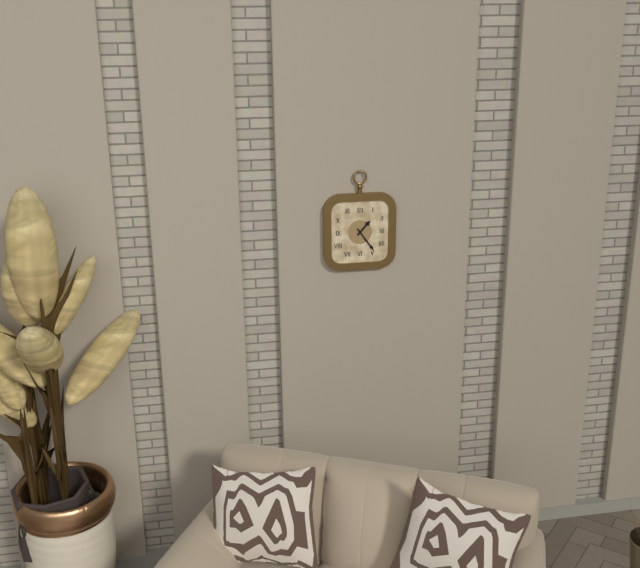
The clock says 1:24
